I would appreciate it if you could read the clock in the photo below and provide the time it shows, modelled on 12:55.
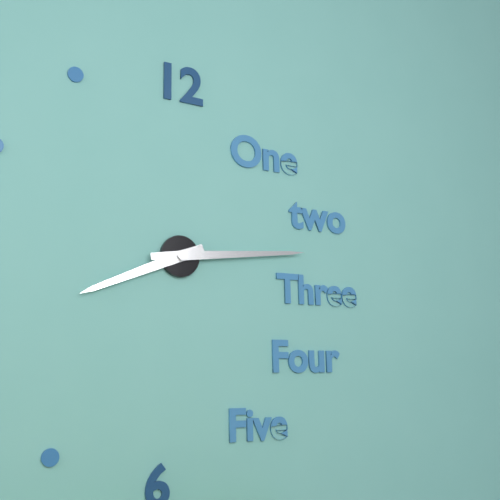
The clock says 8:14
